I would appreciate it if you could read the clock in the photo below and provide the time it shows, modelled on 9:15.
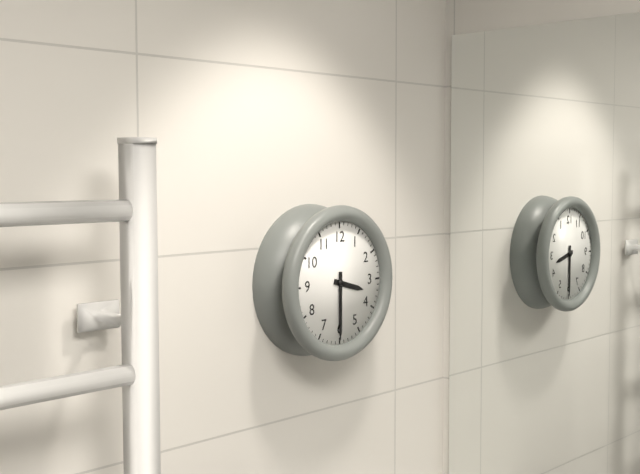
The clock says 3:30
